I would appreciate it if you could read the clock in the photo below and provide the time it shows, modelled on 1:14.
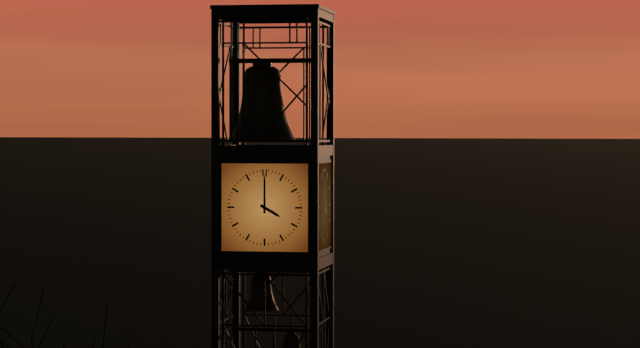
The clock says 4:00
